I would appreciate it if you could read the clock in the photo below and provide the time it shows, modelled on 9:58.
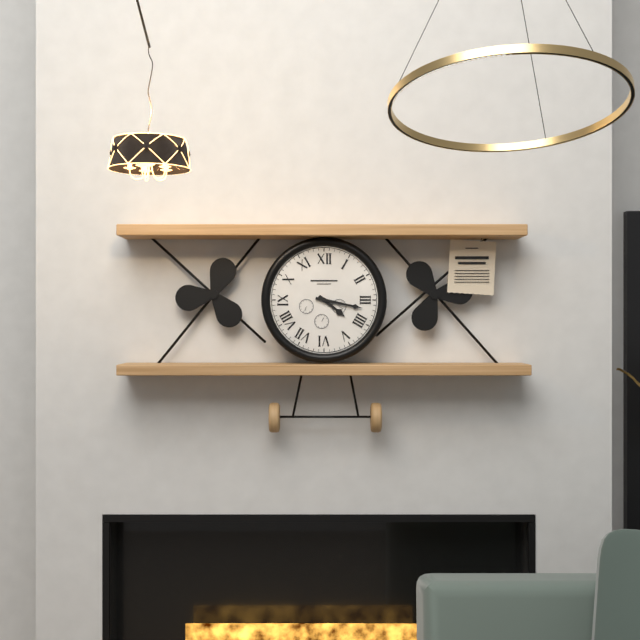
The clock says 4:17
